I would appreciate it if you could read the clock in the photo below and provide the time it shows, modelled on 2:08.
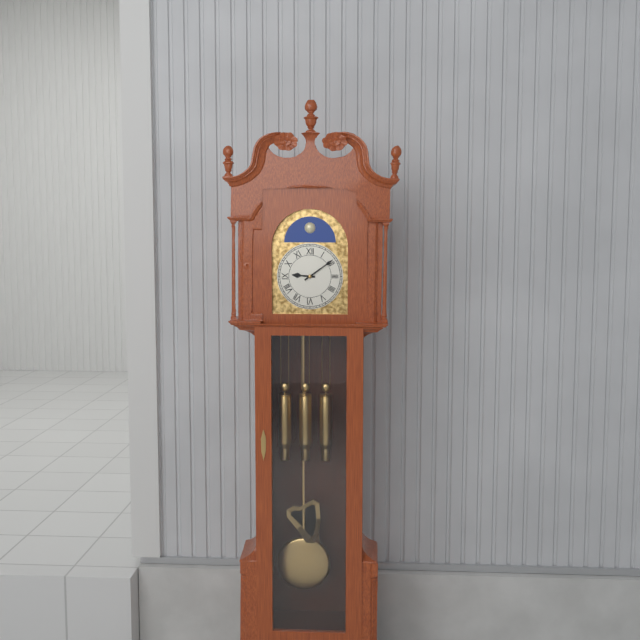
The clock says 9:09
